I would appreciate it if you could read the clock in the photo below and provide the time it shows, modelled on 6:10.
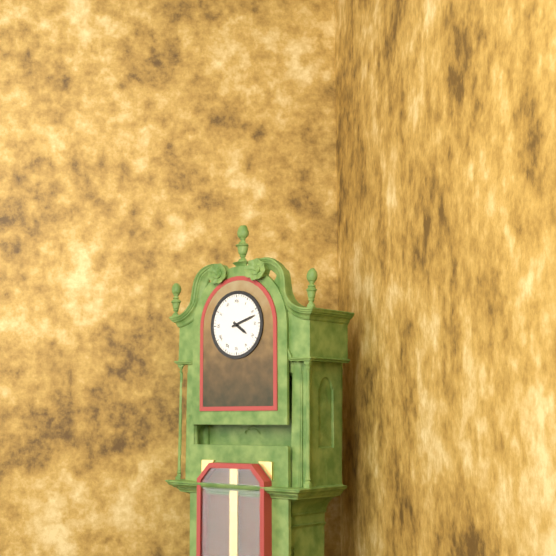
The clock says 4:12
